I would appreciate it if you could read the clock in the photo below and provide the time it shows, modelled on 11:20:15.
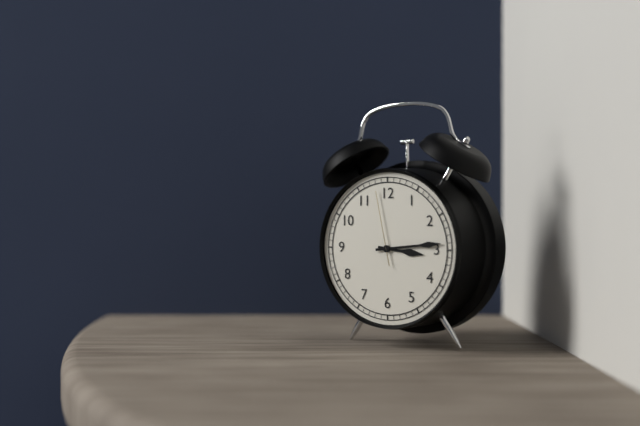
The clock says 3:14:58
